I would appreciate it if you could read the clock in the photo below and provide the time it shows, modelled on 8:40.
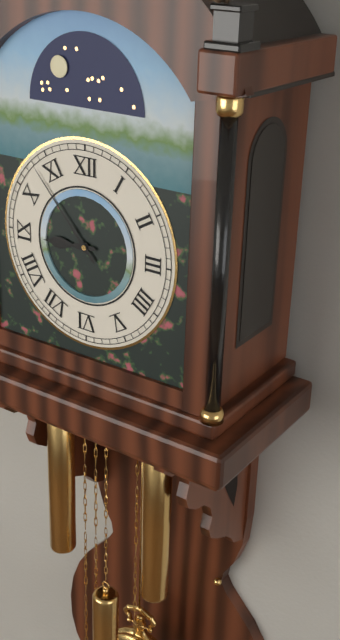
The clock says 8:53
